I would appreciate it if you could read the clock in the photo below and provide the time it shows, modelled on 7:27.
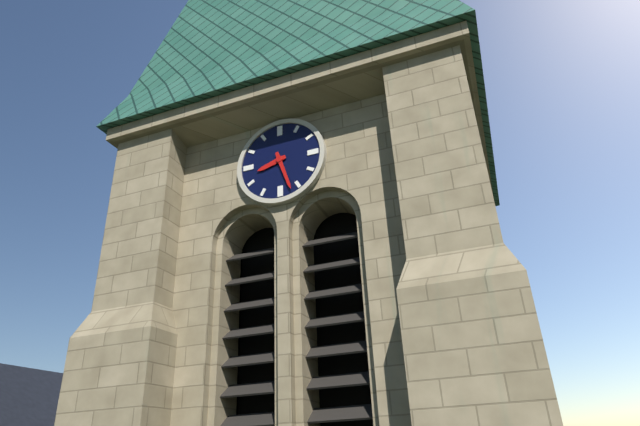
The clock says 8:27
